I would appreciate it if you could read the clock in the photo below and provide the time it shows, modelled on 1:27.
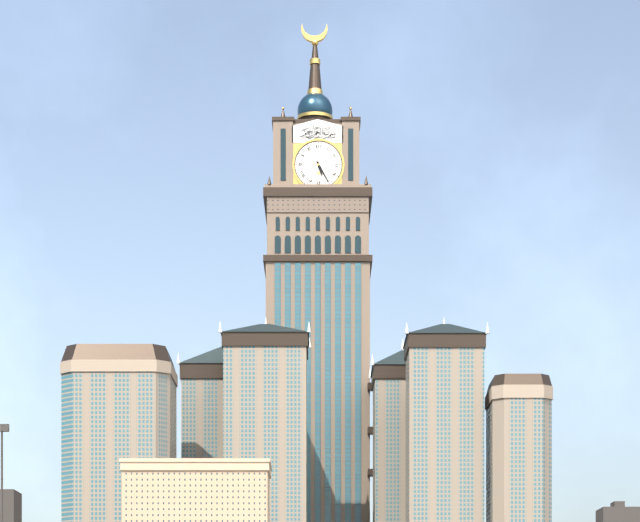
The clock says 5:25
